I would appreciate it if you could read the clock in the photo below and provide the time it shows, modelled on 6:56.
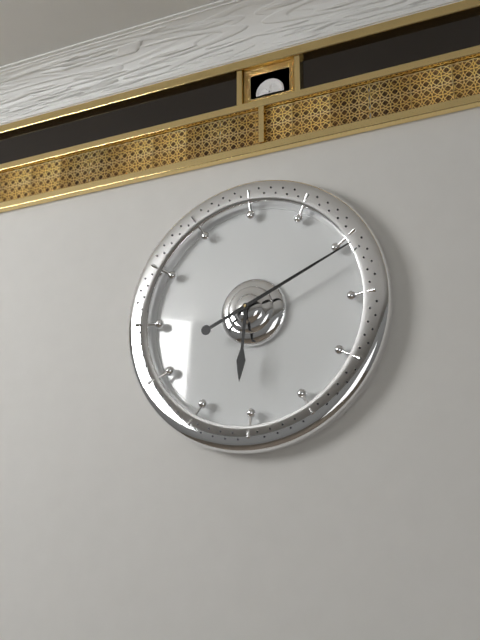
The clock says 6:11
